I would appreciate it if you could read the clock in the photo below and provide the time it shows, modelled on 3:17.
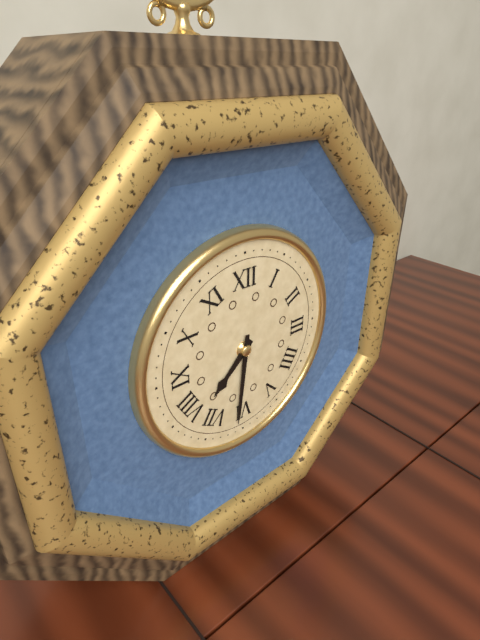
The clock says 7:31
